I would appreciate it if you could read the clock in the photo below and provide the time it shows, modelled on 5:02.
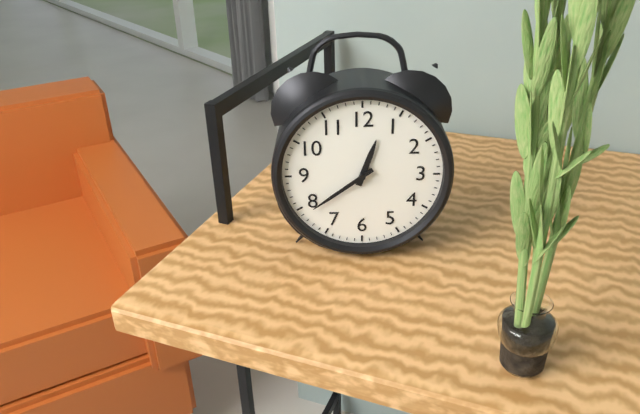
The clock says 12:39
